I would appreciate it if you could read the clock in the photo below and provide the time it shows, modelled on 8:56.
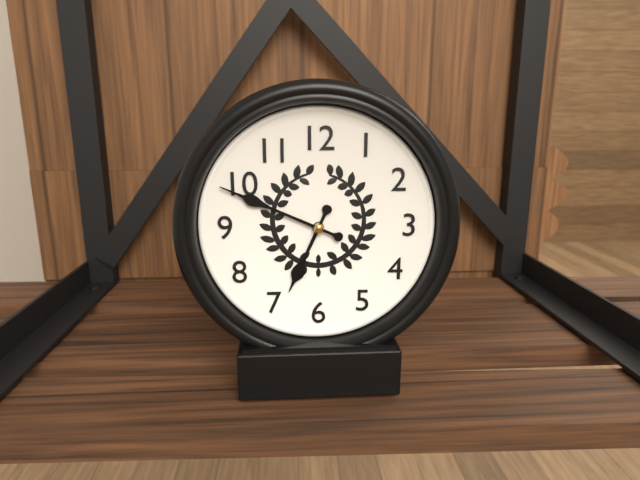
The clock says 6:49
